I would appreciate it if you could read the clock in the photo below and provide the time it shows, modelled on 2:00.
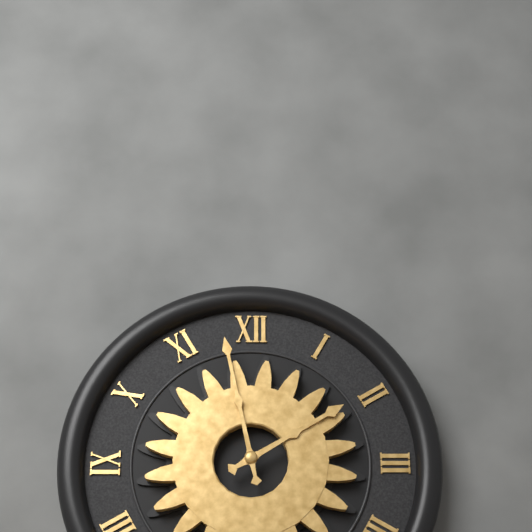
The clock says 1:58
